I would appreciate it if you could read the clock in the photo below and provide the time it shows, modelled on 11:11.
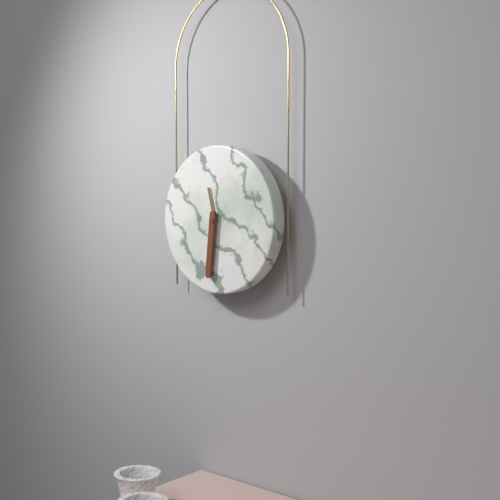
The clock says 11:31
